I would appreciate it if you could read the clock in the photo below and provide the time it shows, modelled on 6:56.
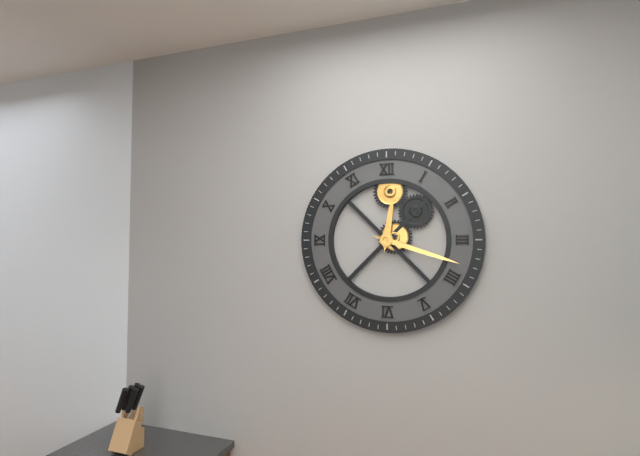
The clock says 12:18
